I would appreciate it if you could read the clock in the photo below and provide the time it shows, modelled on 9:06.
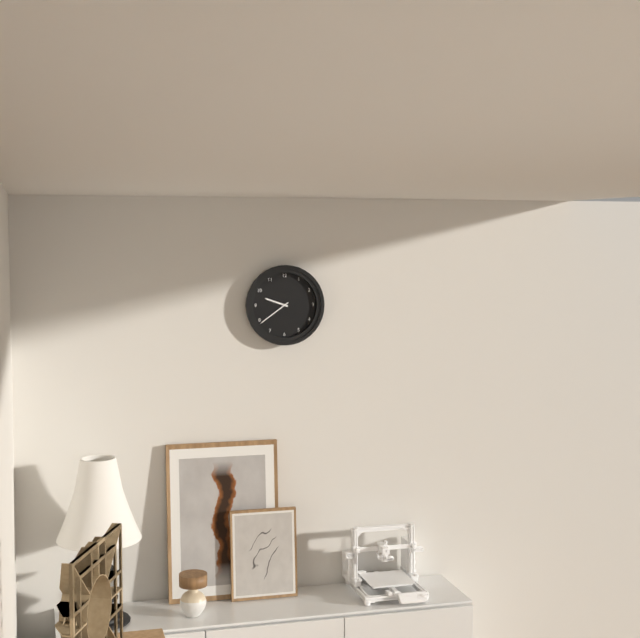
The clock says 9:39
